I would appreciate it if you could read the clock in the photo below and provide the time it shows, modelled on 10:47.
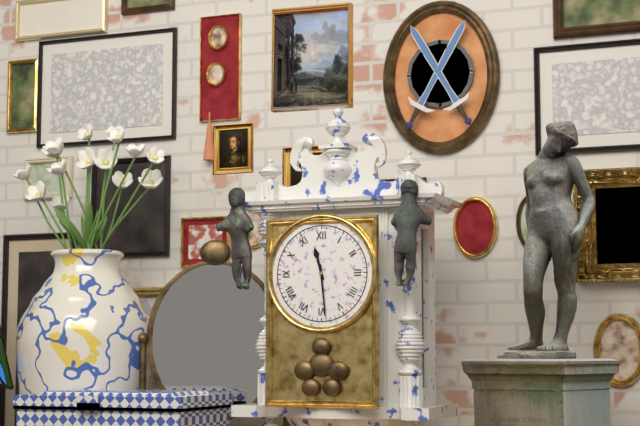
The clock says 11:29
